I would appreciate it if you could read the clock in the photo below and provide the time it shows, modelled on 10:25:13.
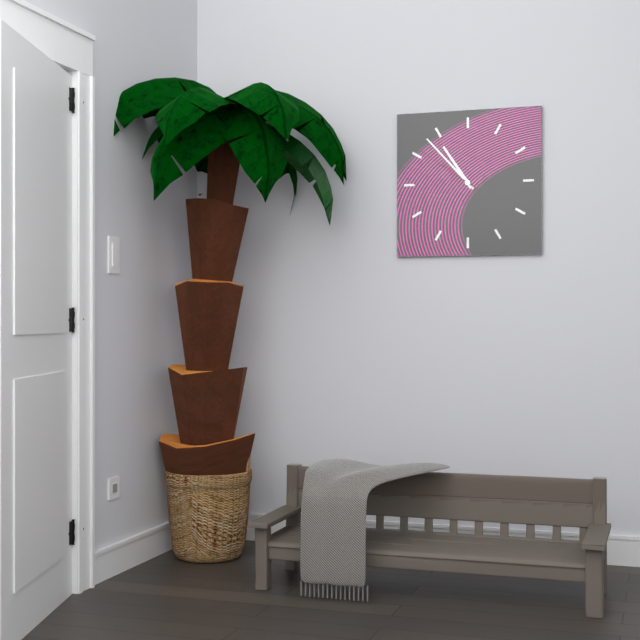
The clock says 10:53:51
